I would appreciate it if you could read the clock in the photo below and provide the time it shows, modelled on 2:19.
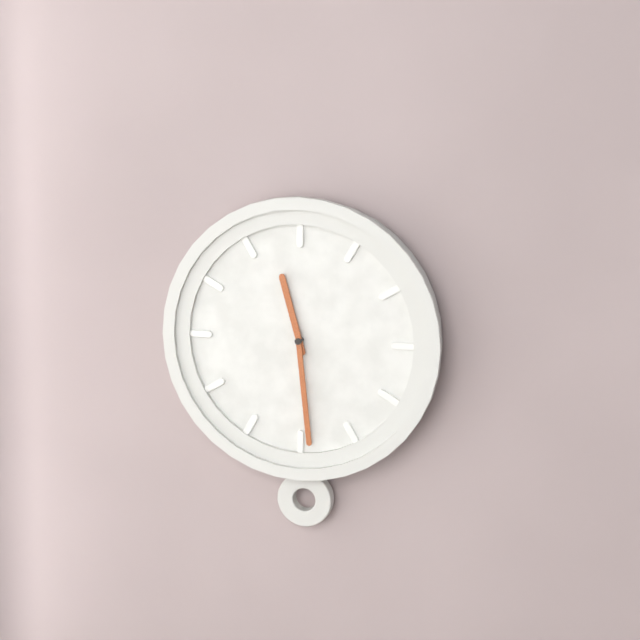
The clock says 11:29
